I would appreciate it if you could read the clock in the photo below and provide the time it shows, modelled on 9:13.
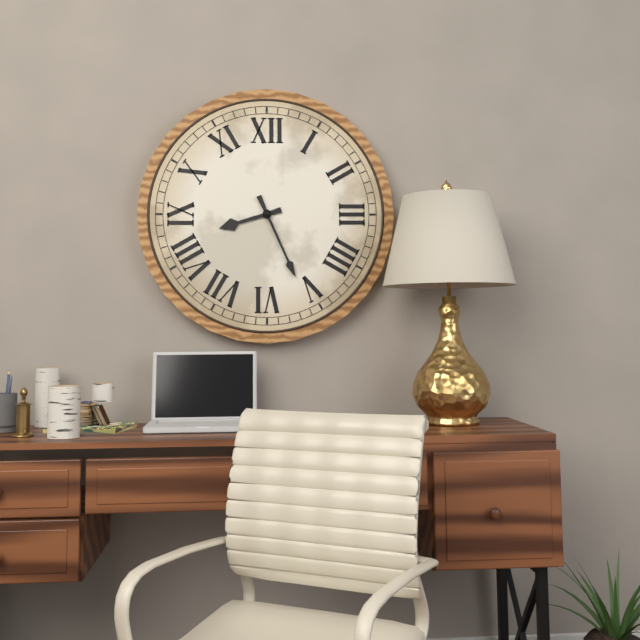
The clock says 8:26
